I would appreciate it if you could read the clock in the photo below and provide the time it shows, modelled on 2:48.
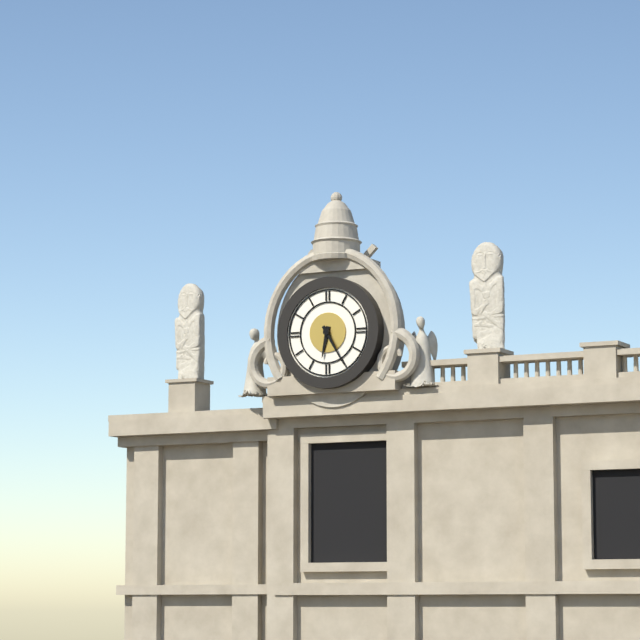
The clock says 6:25
